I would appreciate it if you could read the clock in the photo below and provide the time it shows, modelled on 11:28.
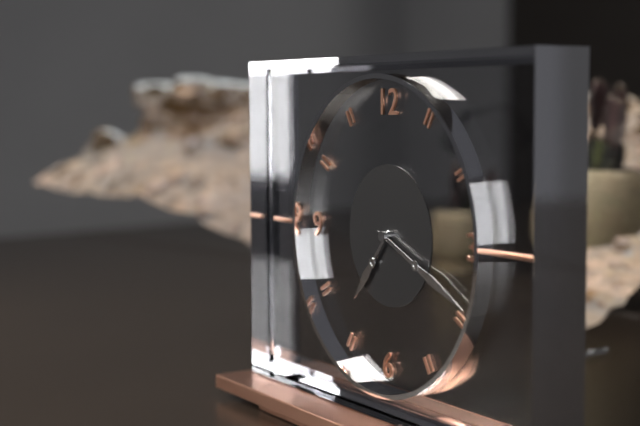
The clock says 7:19
